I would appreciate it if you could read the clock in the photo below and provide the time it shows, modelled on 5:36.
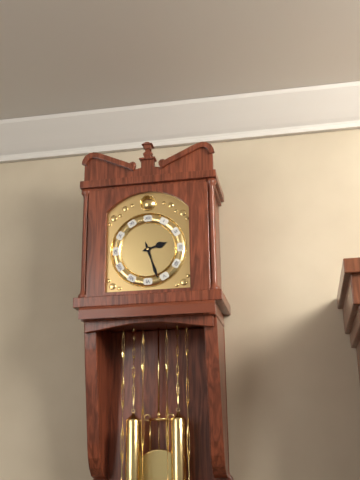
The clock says 2:27
